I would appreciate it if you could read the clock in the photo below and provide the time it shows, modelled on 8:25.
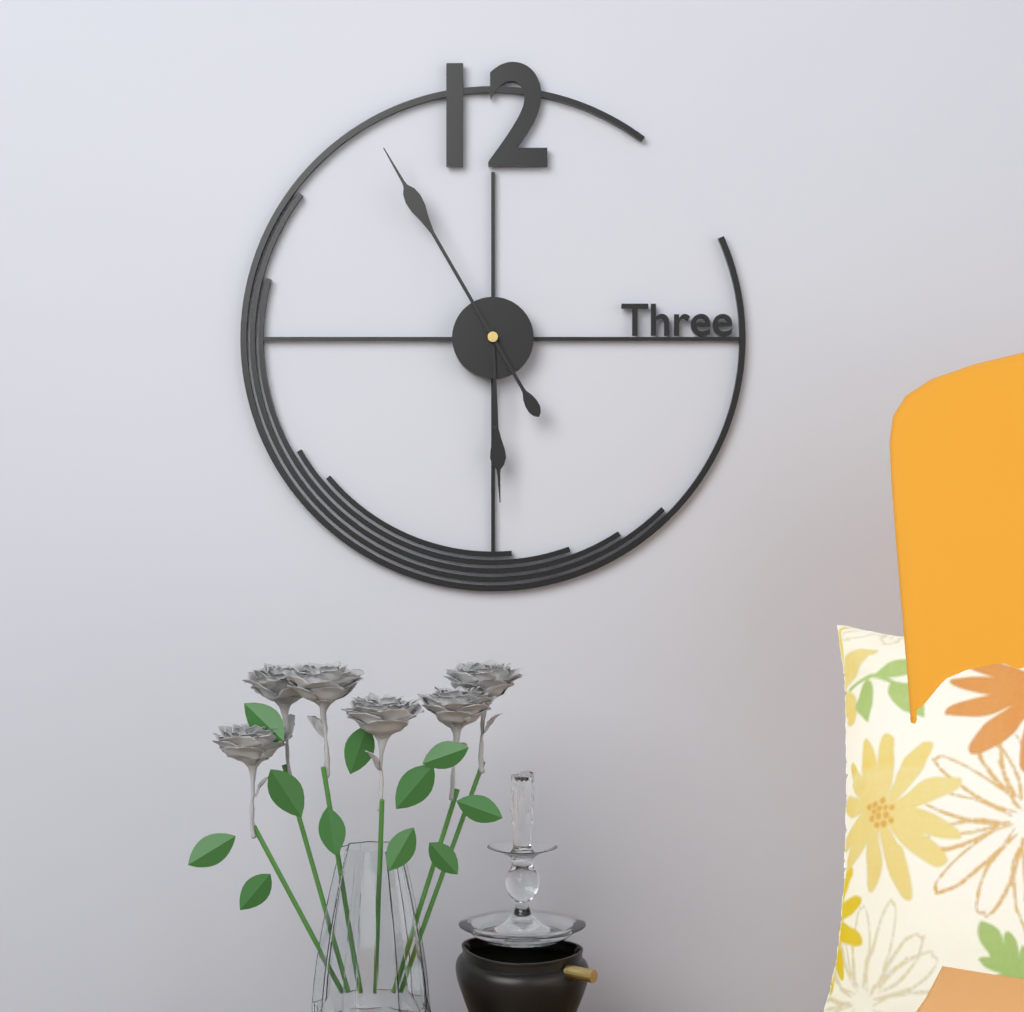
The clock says 5:55
